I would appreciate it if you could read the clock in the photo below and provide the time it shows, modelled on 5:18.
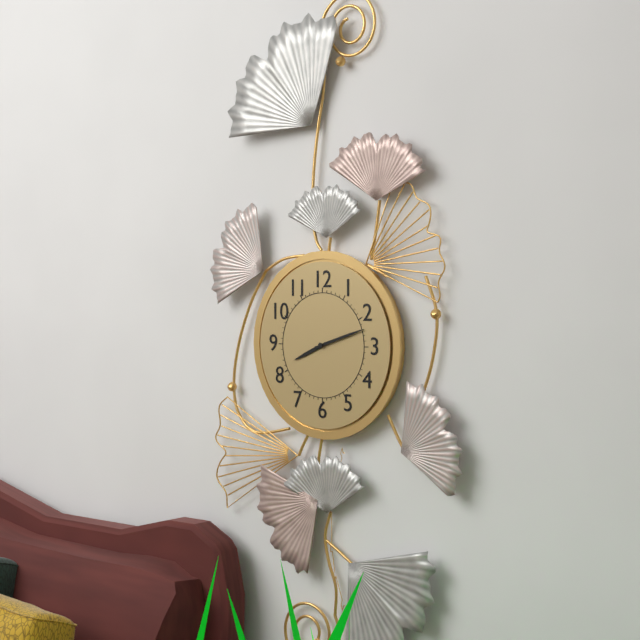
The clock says 8:12
